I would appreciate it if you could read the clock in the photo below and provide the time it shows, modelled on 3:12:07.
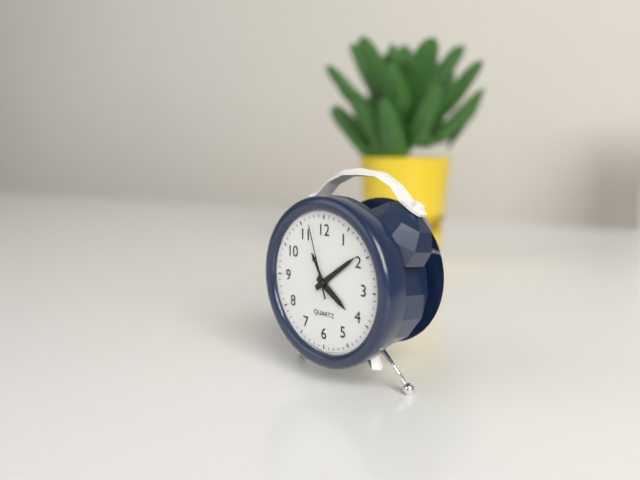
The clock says 4:09:57
